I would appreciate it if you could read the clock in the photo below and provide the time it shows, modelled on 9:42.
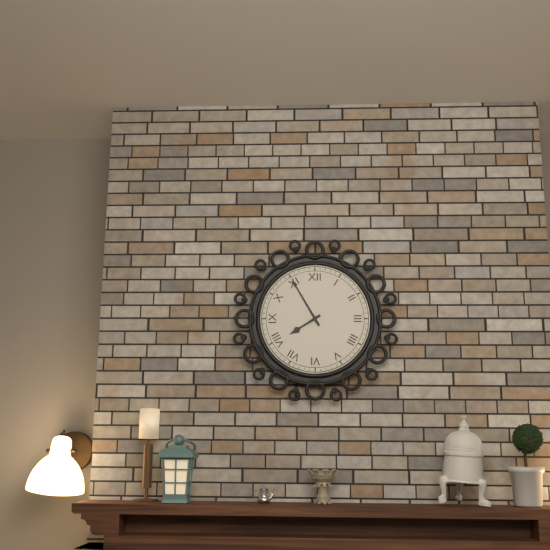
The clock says 7:55
